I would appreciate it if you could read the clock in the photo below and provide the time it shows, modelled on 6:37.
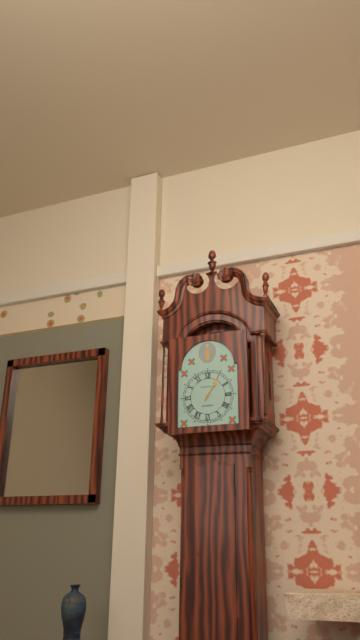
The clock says 1:05
